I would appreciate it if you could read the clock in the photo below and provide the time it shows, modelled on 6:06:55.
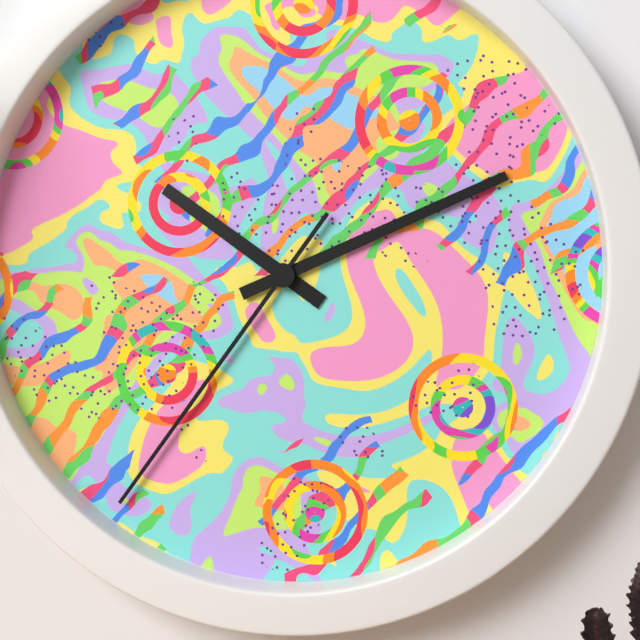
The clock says 10:11:36
